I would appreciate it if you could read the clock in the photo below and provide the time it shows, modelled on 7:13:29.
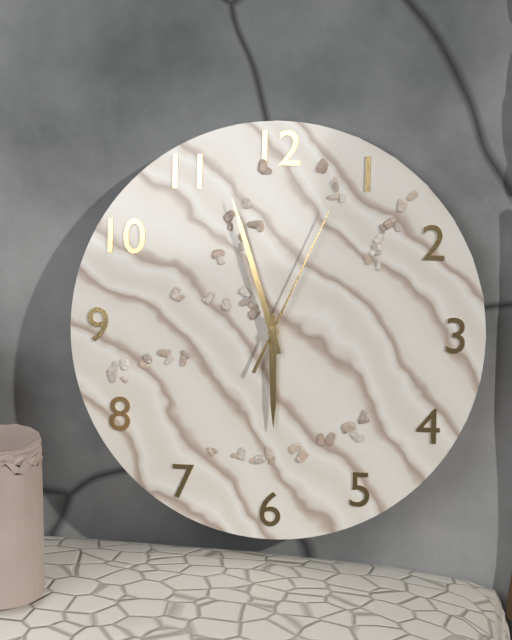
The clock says 5:57:04
